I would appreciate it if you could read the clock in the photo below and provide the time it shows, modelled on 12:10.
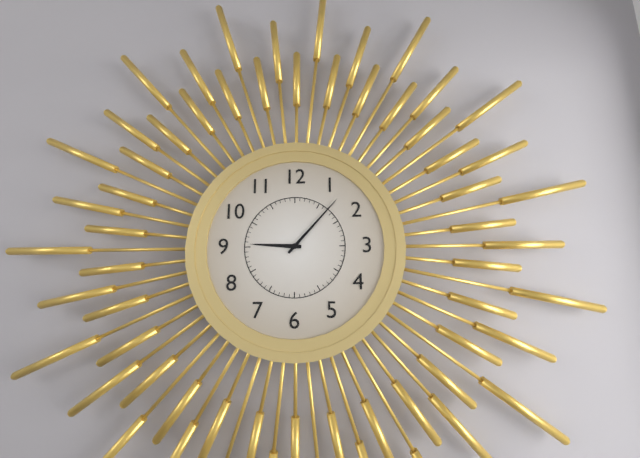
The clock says 9:07
